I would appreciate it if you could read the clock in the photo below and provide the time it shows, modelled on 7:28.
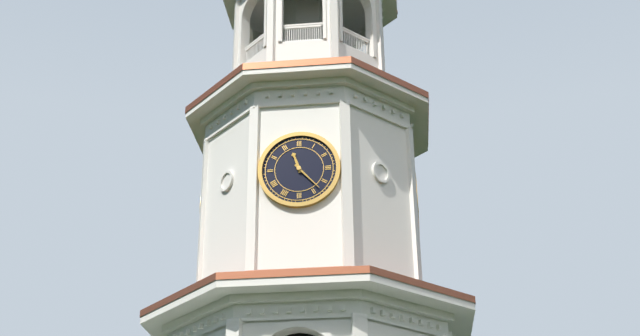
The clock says 11:23
